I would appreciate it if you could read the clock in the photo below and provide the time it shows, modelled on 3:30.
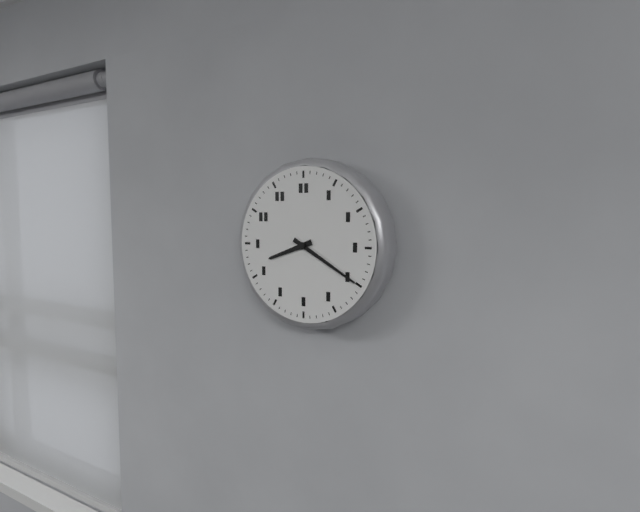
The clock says 8:20
